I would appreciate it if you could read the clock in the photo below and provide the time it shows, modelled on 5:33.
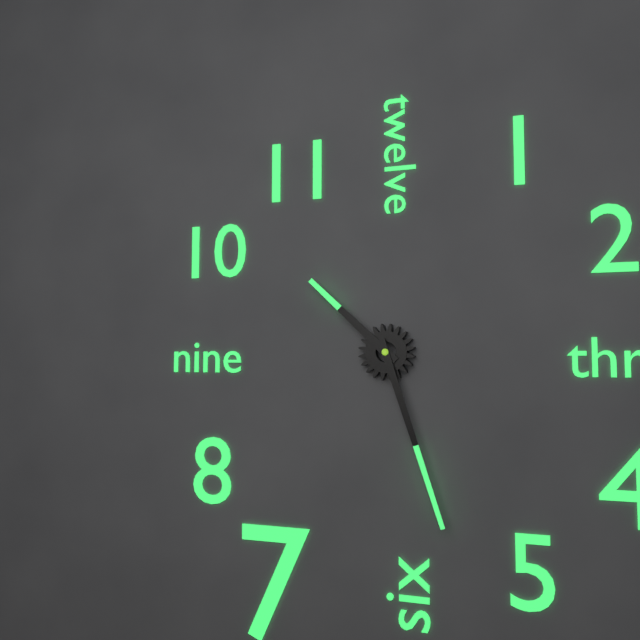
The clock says 10:27
